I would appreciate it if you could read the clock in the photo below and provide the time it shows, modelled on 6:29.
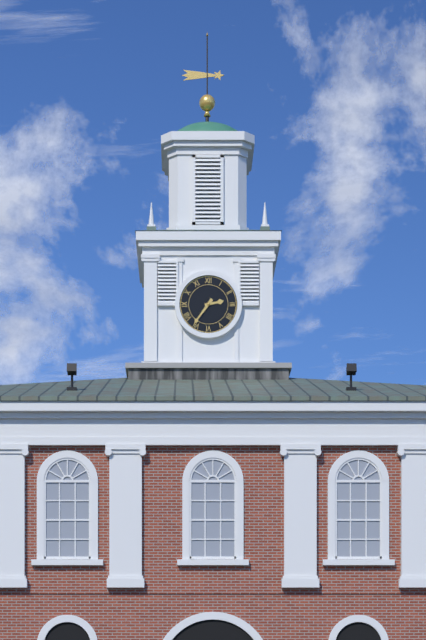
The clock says 2:36
